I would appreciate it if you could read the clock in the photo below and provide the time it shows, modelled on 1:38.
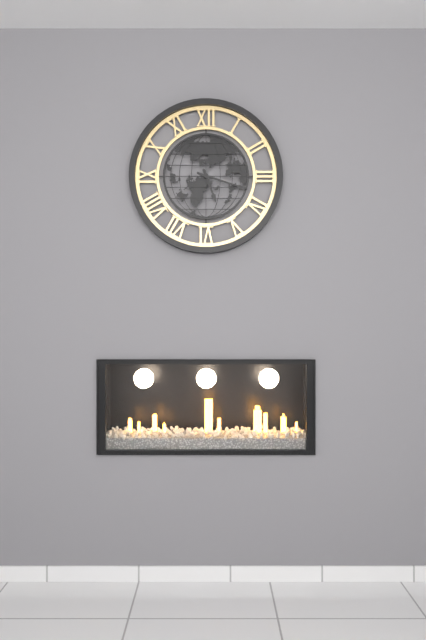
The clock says 5:18
